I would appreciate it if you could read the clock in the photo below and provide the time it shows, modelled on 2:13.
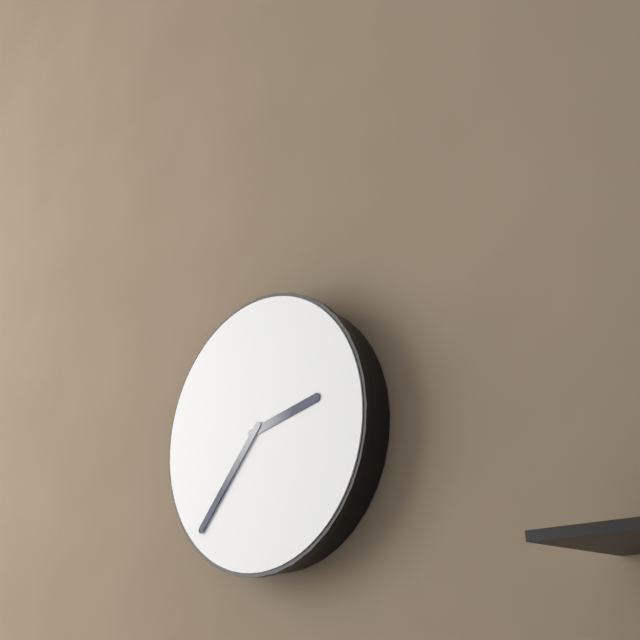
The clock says 2:37
